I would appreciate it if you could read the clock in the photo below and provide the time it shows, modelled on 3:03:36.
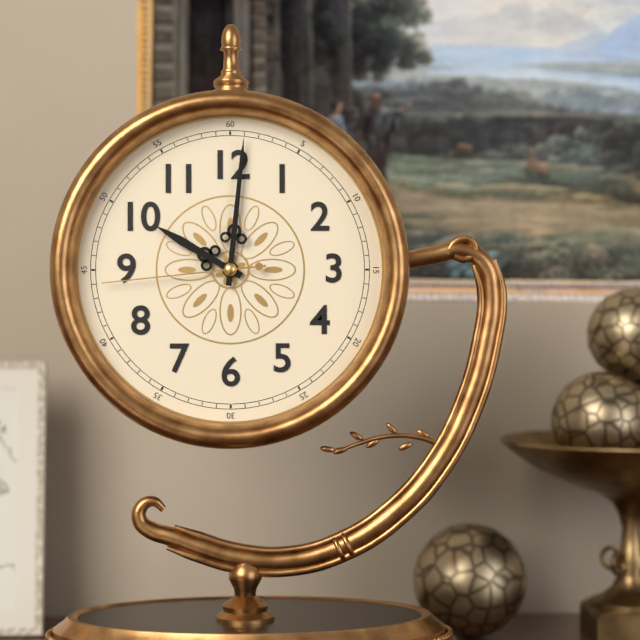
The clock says 10:01:44
